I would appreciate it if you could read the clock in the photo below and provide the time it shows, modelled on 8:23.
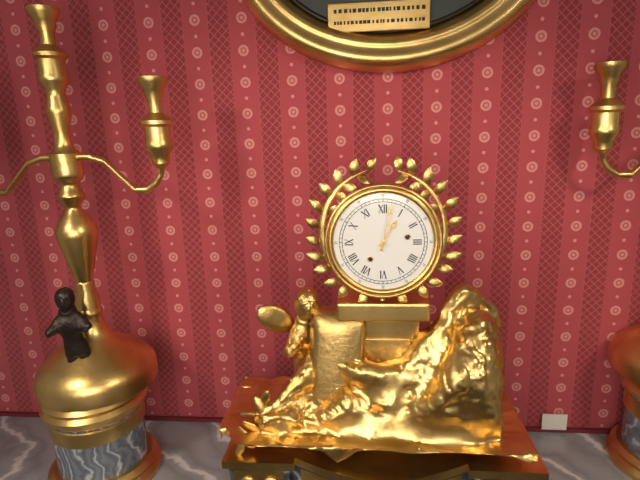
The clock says 1:02
